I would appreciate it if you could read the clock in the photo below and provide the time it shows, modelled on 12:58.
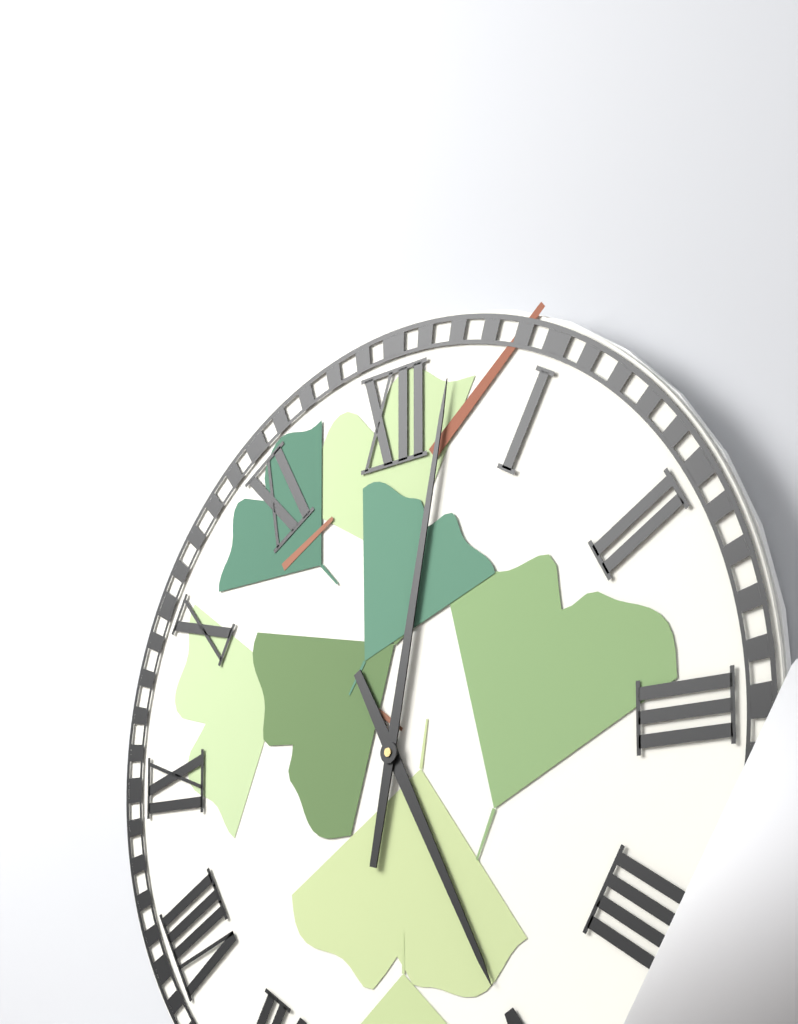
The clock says 5:02
